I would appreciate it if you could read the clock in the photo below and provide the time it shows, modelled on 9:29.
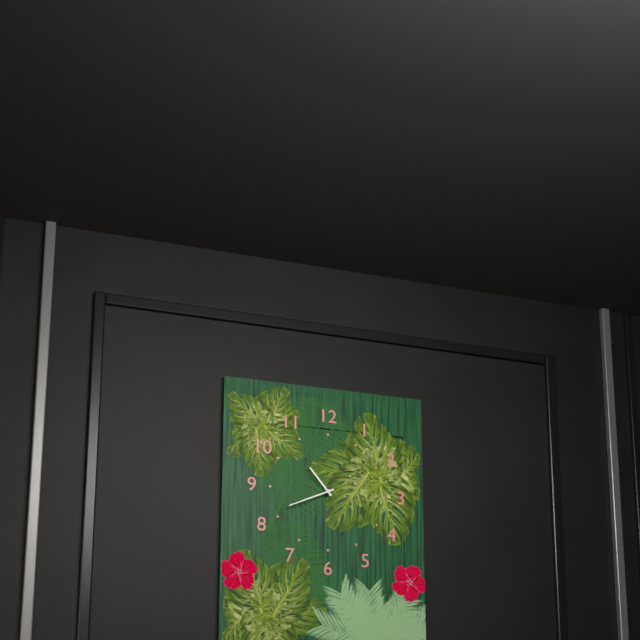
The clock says 10:41
